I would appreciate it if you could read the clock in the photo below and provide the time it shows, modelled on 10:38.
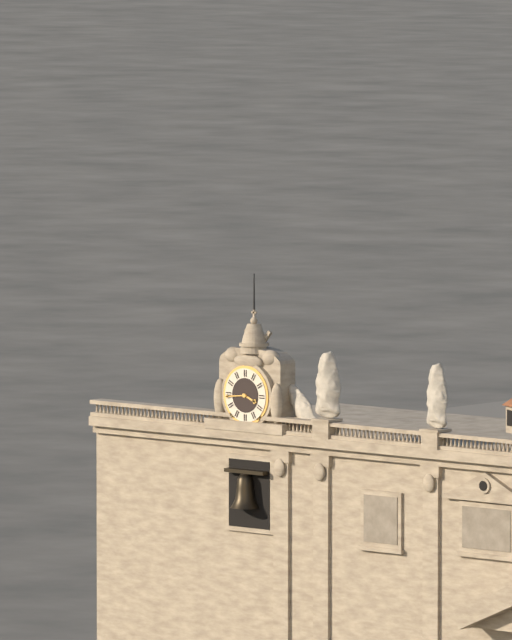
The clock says 3:44
